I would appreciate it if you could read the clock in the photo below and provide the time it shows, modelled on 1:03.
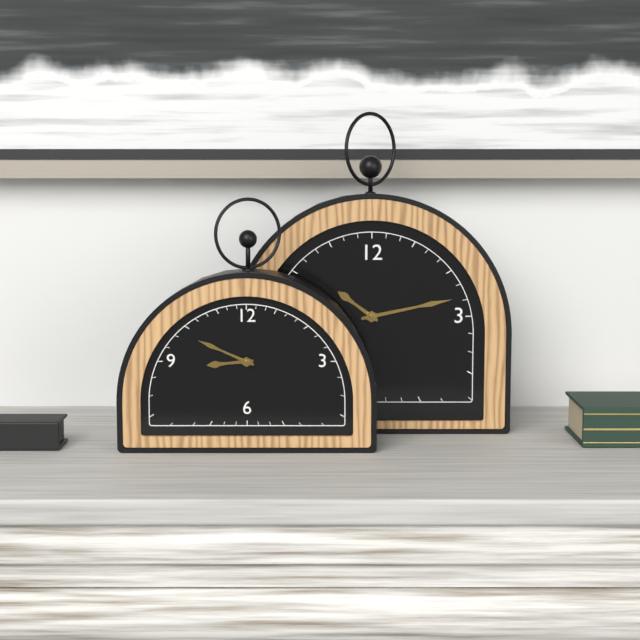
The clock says 8:49
